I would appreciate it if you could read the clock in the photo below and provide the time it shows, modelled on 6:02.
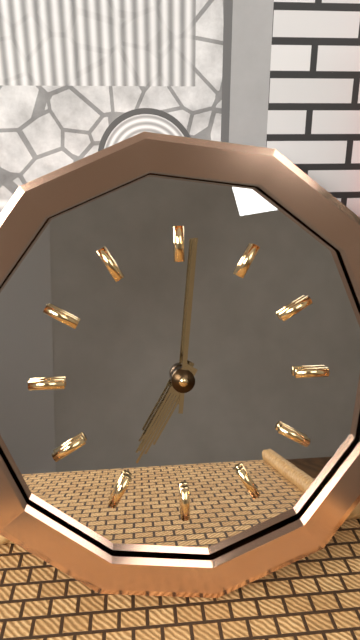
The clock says 7:01
